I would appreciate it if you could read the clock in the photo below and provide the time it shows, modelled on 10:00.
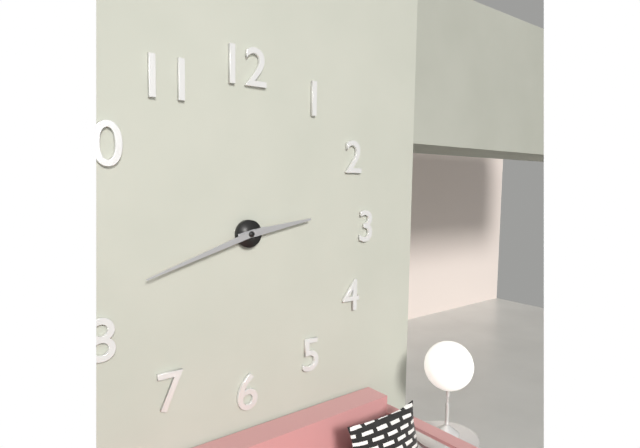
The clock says 2:42
